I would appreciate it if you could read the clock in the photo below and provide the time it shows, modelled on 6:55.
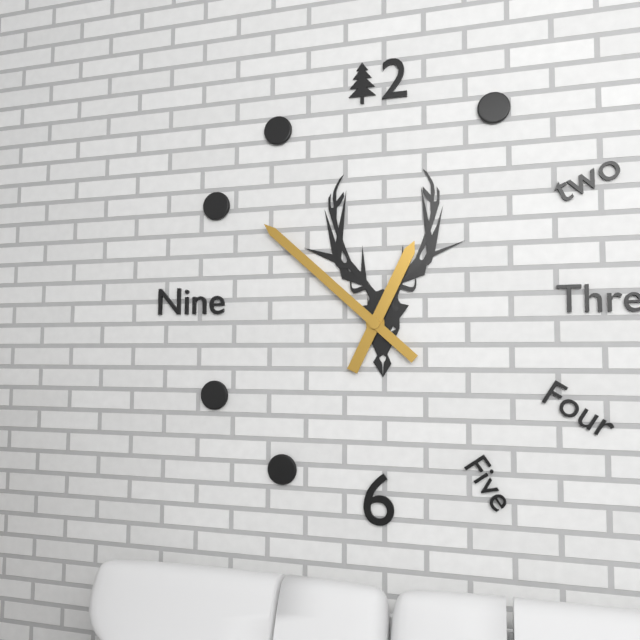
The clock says 12:52
